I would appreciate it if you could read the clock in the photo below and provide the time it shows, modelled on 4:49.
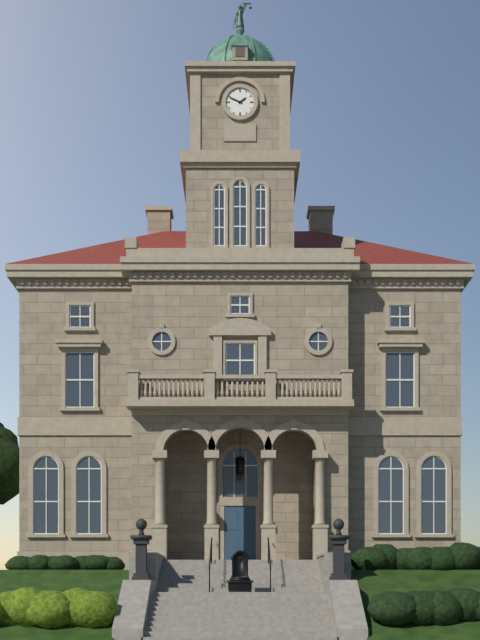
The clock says 1:49
